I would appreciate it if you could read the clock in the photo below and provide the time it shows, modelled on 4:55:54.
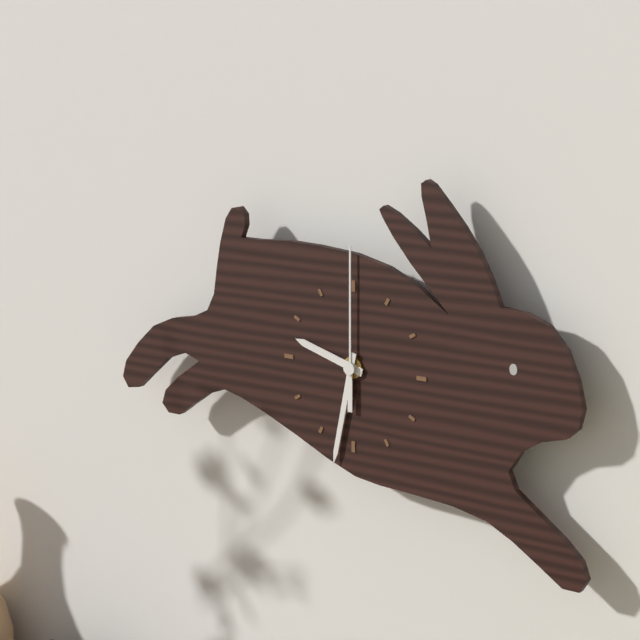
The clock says 9:32:00
